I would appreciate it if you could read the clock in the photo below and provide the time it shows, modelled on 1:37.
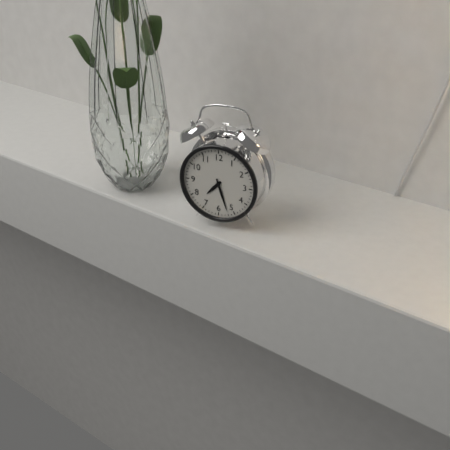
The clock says 7:27
